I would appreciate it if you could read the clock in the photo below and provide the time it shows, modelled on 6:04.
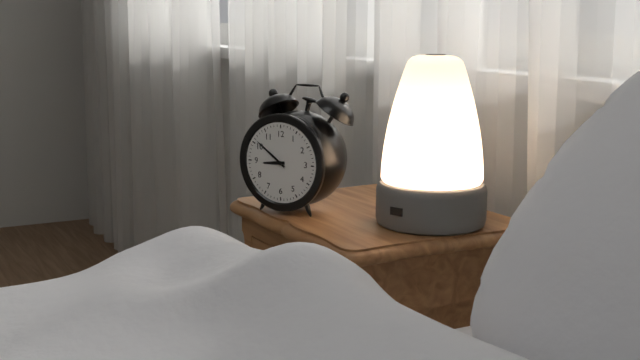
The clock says 8:51
